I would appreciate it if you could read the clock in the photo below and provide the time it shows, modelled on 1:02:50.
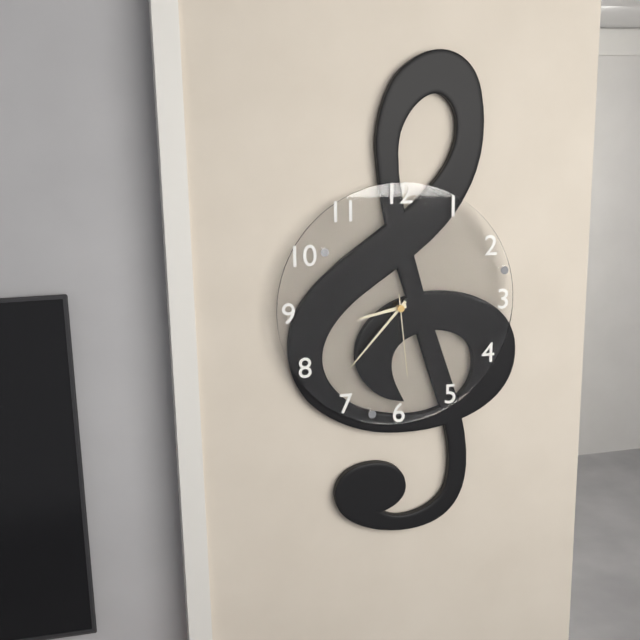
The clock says 8:37:29
